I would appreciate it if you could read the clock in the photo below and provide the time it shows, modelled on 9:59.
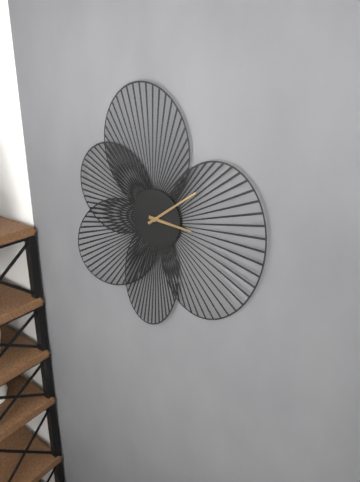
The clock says 3:09
